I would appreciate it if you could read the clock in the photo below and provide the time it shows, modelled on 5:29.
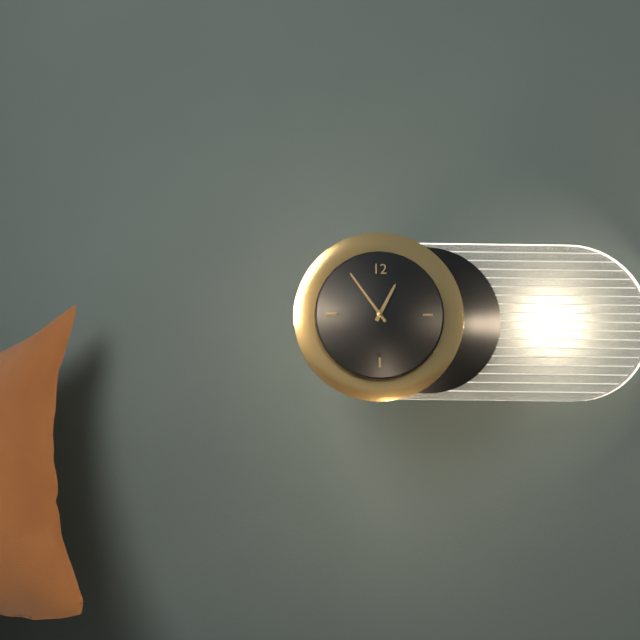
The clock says 12:54
